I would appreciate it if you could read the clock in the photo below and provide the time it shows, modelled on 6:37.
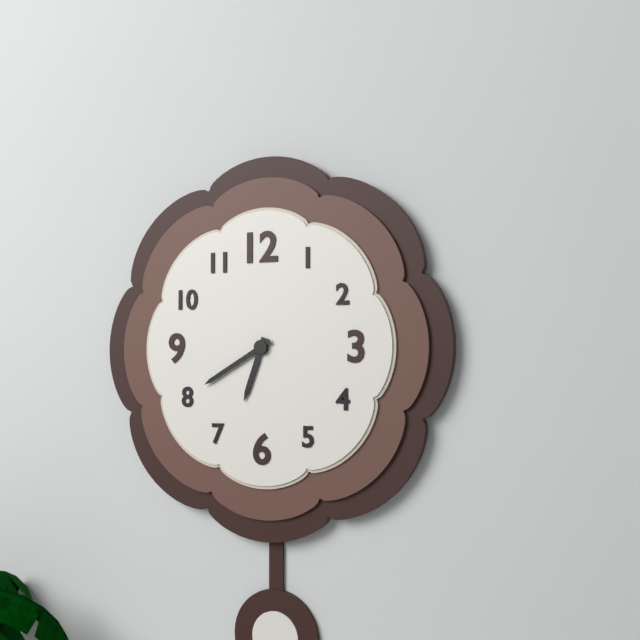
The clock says 6:40
